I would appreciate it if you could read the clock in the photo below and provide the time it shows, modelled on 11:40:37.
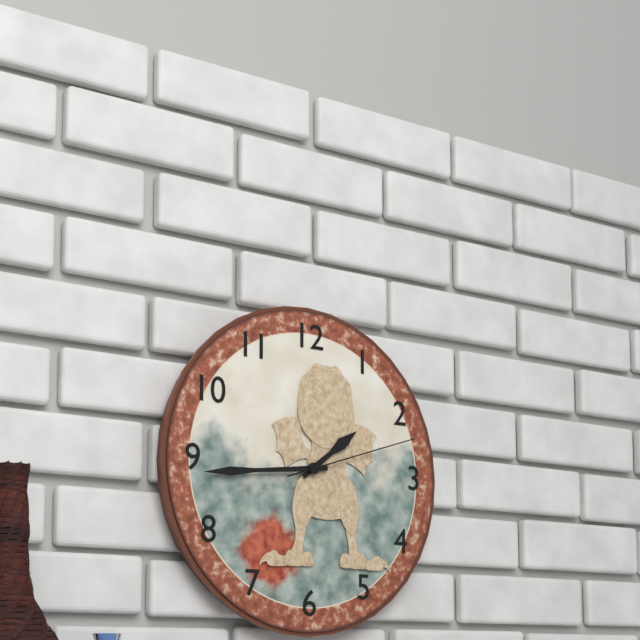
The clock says 1:44:12
